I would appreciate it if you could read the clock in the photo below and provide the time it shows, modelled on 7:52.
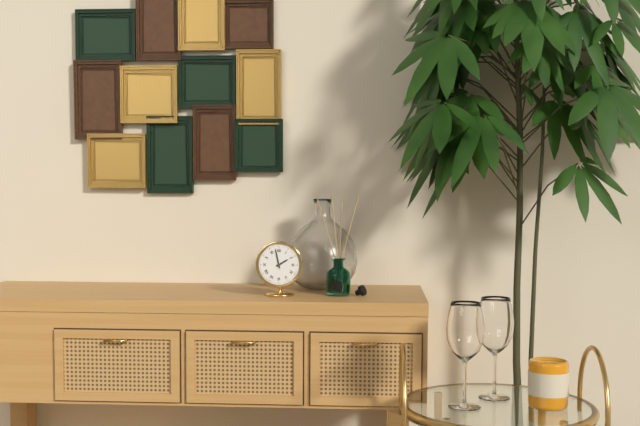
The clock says 1:58
